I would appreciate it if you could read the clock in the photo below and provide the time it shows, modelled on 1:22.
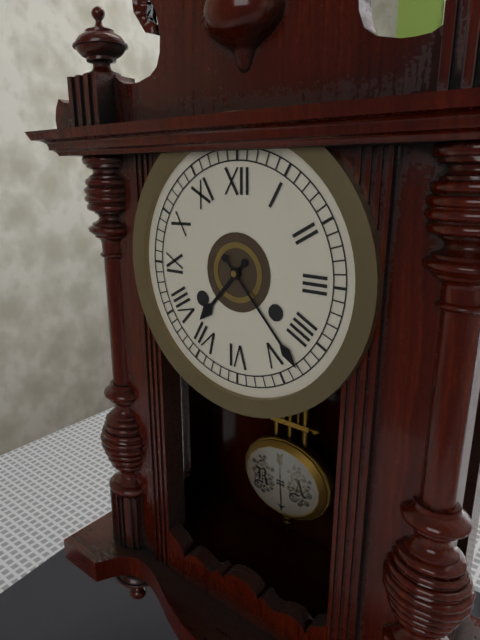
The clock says 7:23
